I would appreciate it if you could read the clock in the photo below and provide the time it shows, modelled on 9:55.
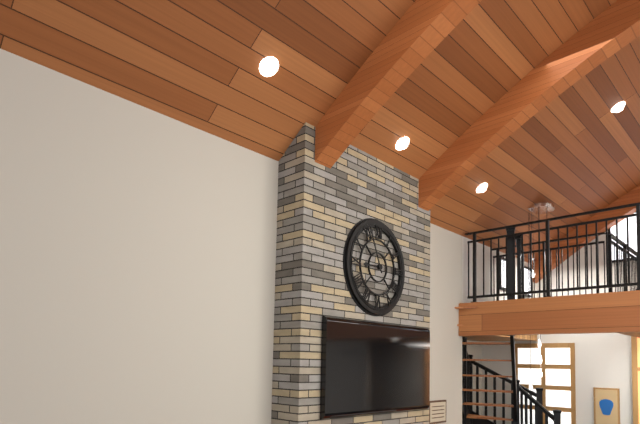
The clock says 8:56
